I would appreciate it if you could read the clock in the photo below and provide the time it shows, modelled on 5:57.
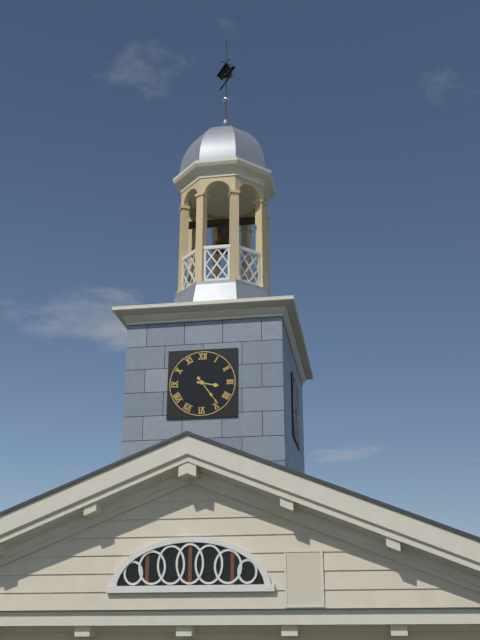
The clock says 3:24
